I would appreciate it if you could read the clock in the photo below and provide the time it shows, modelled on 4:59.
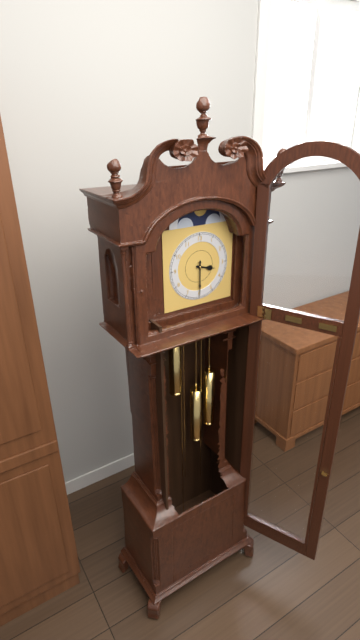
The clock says 3:30
